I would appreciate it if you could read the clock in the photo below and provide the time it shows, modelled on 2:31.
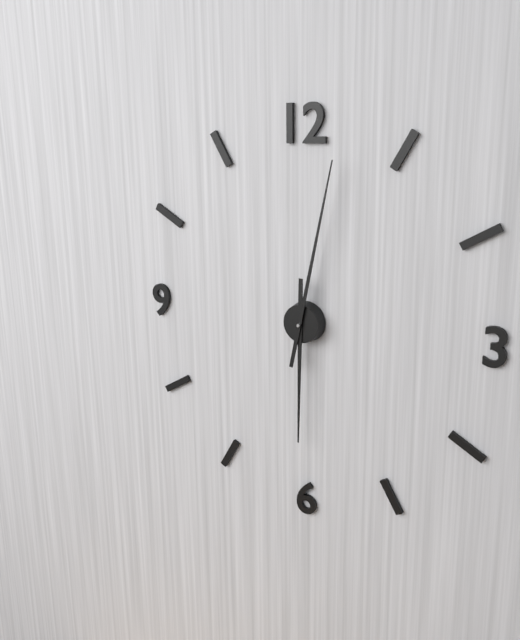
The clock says 6:02
